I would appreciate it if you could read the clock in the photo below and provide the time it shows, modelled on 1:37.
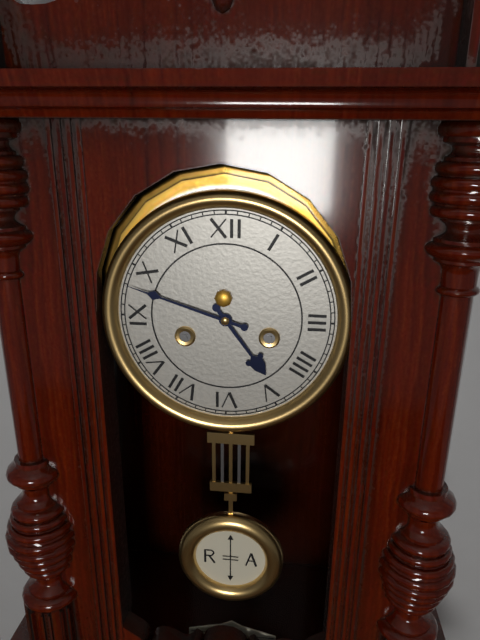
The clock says 4:48
